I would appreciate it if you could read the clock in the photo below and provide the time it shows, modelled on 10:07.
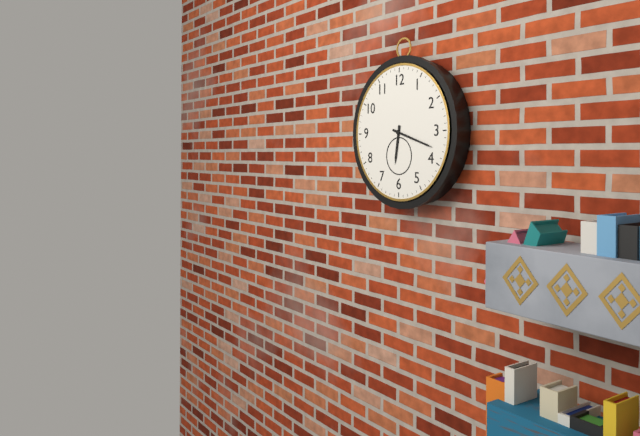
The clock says 6:18
